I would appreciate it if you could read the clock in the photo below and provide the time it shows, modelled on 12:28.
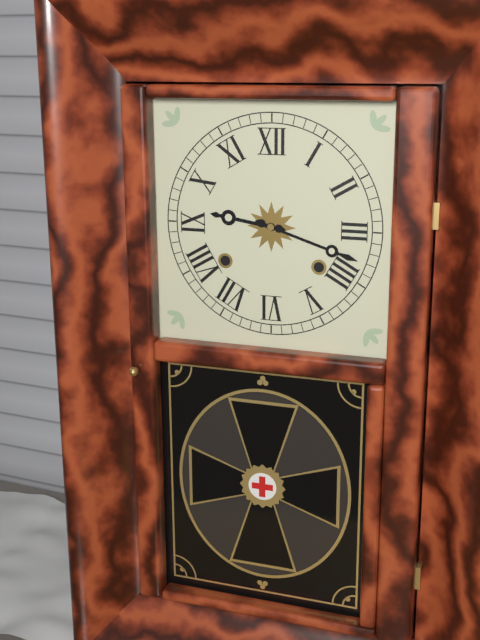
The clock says 9:18
